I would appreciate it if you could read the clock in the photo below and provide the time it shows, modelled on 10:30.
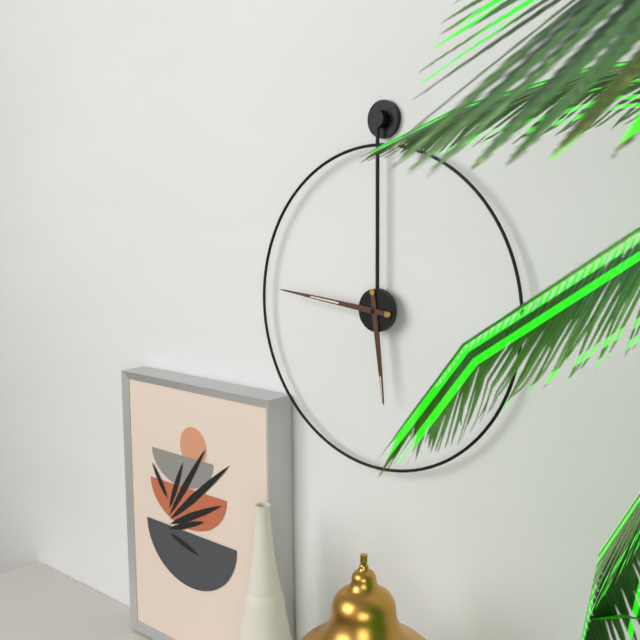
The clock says 5:46
